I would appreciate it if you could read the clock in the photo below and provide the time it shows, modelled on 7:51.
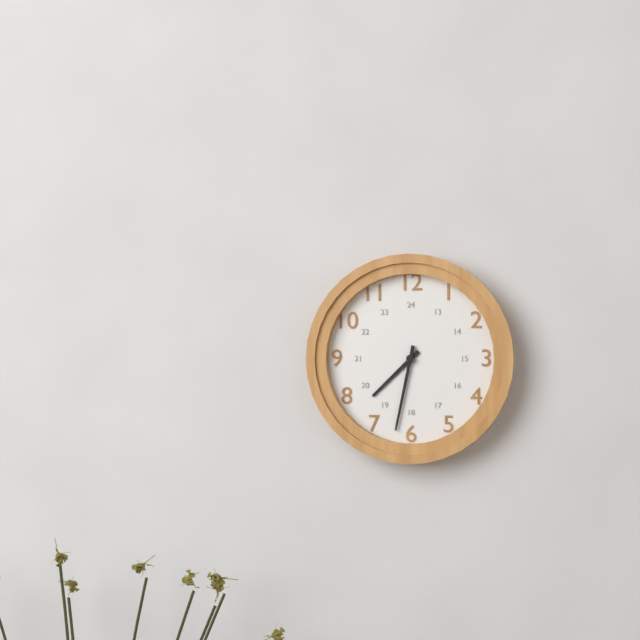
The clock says 7:32
